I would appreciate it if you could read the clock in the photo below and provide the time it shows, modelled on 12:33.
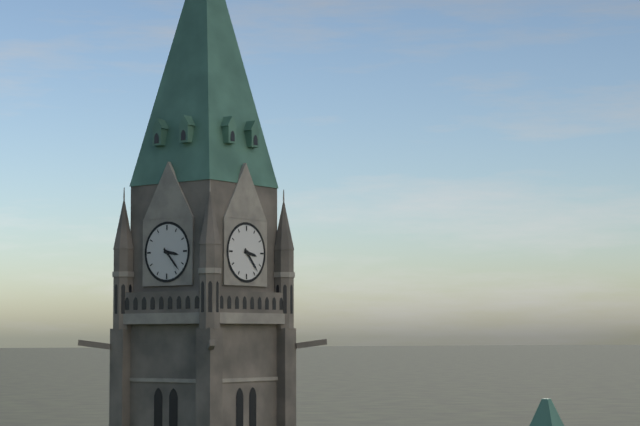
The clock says 3:23
